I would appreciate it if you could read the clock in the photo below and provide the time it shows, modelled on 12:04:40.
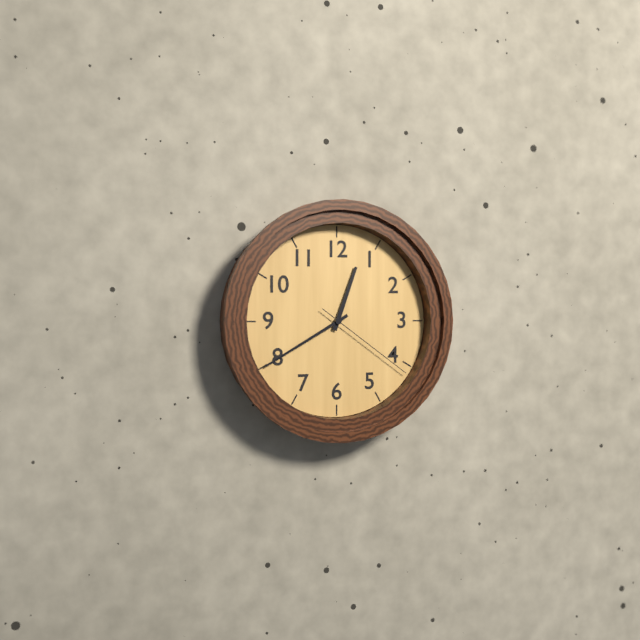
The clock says 12:40:21
